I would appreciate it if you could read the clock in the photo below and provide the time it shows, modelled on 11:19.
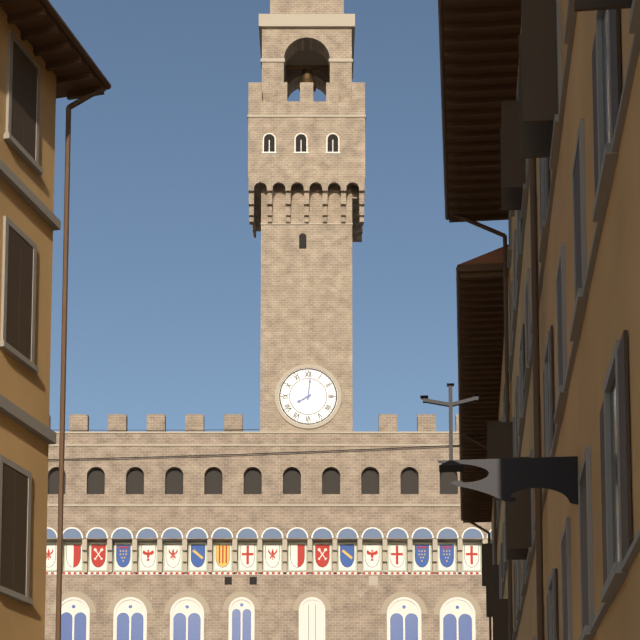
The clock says 8:01
